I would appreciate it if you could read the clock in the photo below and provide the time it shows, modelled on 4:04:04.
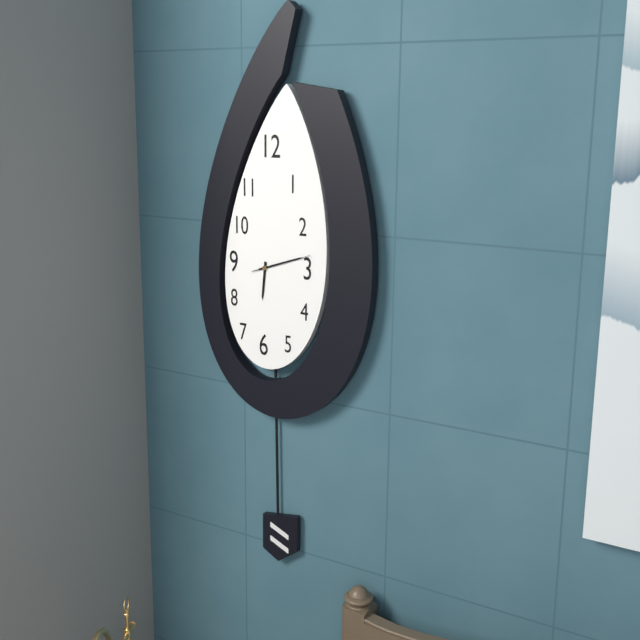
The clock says 6:12:12
